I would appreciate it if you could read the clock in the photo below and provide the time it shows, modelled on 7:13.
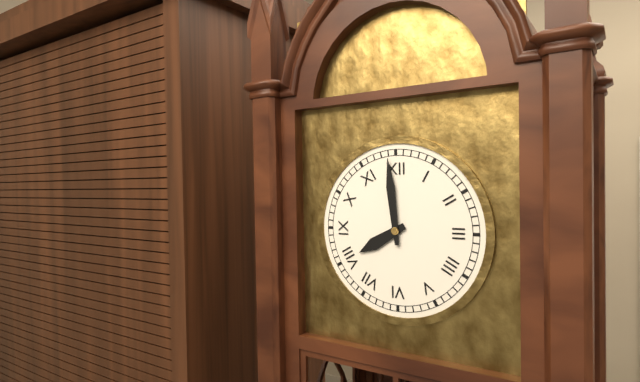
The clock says 7:59
